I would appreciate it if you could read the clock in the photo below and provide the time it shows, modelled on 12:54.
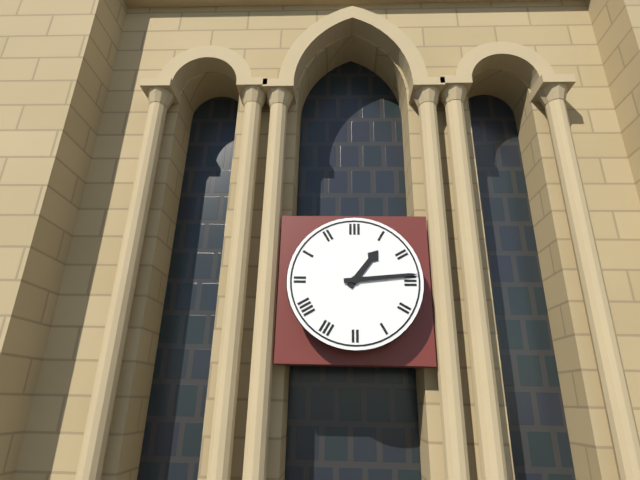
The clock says 1:14
